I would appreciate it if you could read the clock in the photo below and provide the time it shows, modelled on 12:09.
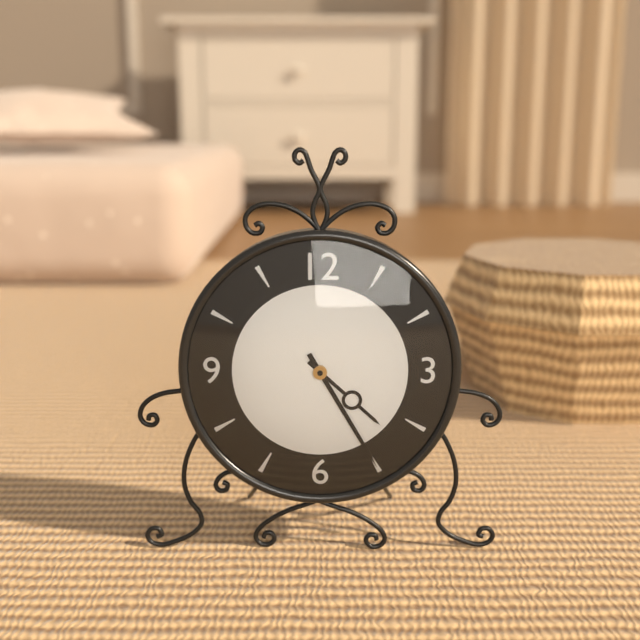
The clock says 4:25
